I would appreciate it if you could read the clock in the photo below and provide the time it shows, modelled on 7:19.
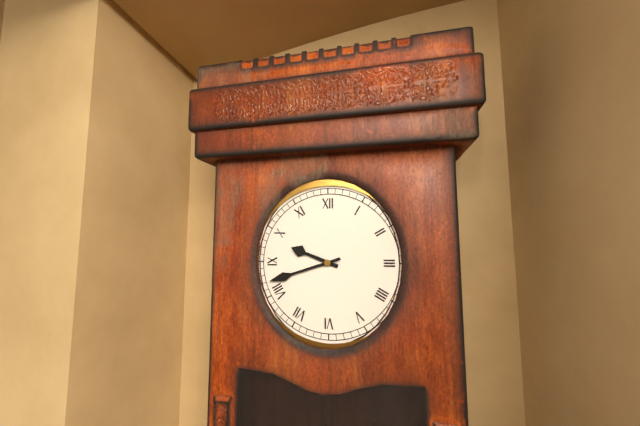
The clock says 9:42
